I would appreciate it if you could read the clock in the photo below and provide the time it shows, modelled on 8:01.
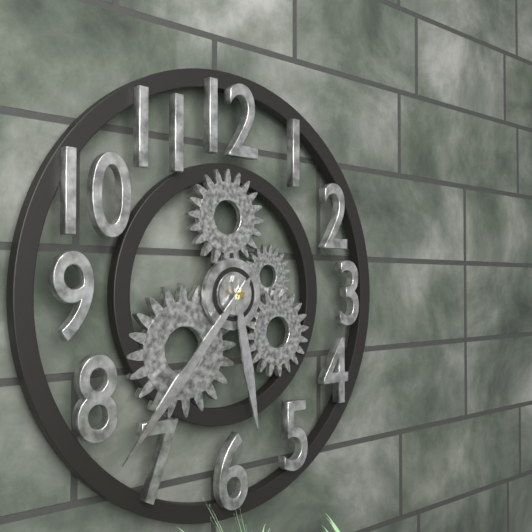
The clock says 5:37
